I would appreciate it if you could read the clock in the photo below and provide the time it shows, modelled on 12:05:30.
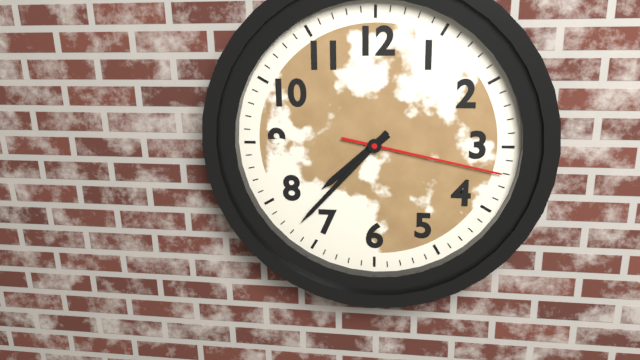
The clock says 7:37:17
